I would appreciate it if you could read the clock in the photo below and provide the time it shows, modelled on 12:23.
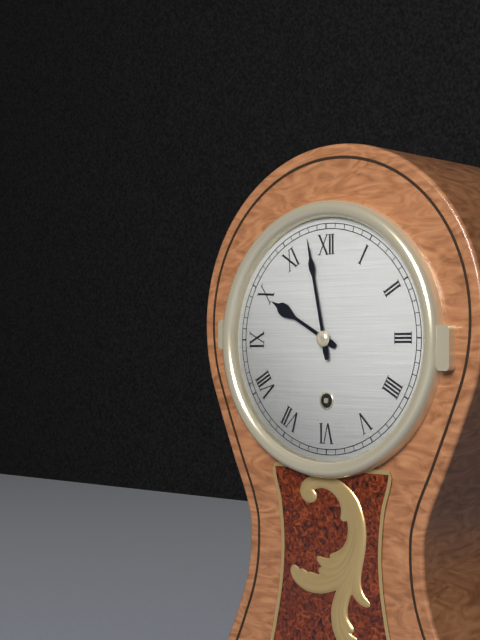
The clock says 9:58
